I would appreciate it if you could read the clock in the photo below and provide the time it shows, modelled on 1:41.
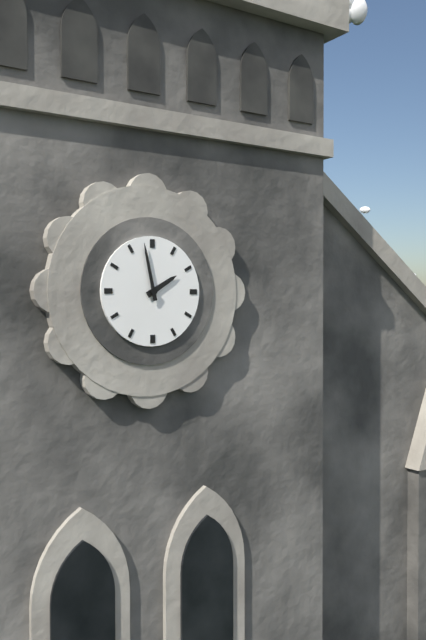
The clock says 1:58
